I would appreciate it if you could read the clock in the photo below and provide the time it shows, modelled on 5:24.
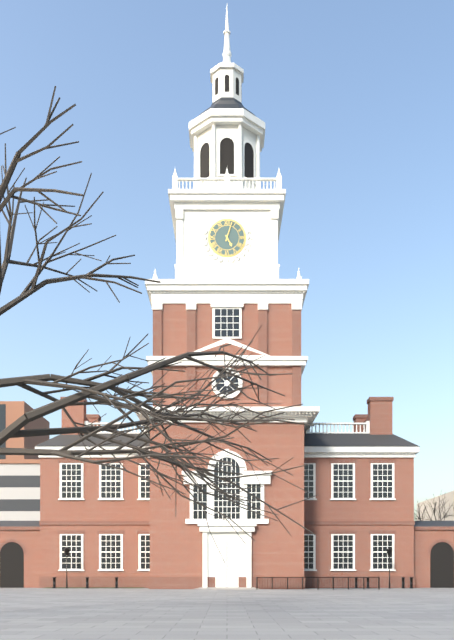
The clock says 5:03
